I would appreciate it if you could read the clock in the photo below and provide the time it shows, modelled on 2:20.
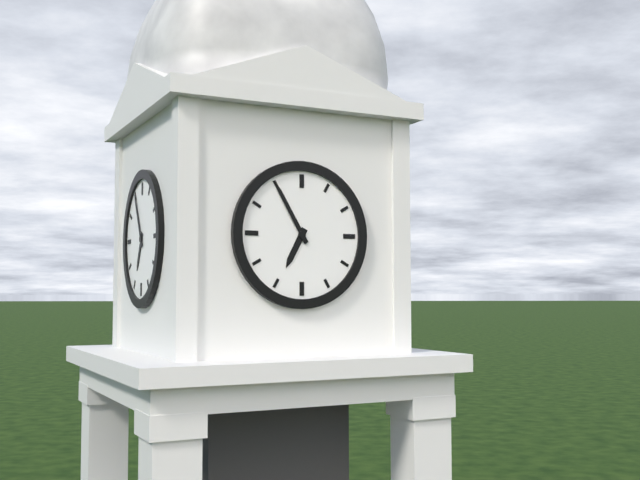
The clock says 6:55
